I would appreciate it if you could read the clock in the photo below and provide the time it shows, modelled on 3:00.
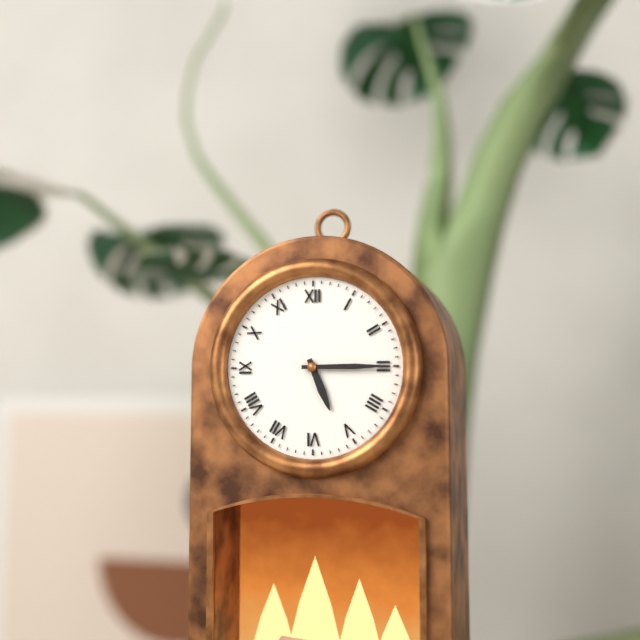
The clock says 5:15
